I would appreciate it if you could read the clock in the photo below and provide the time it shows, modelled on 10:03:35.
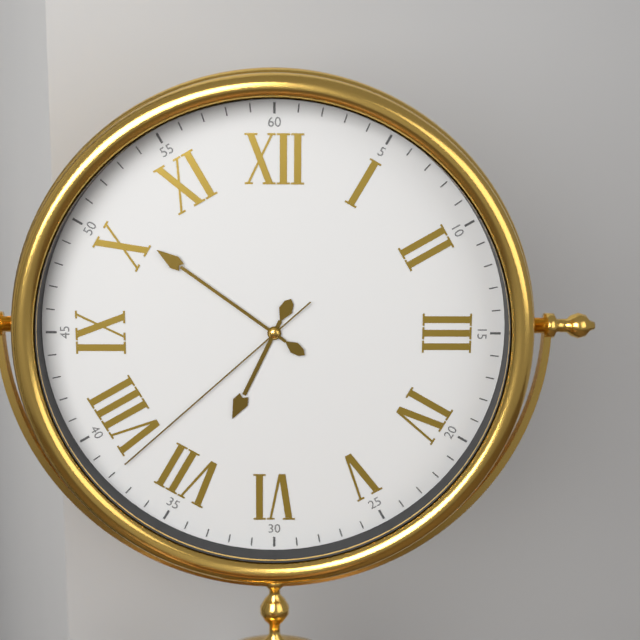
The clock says 6:51:38
